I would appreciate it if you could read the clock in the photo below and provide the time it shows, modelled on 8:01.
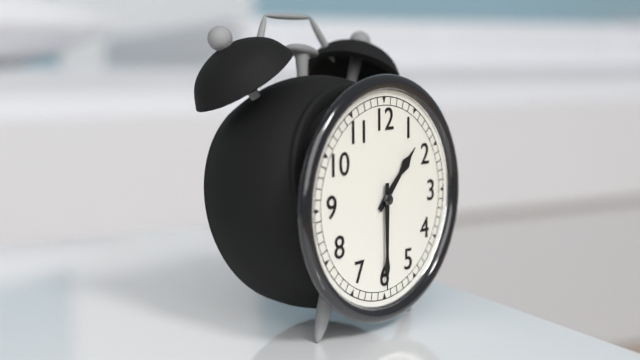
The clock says 1:30
